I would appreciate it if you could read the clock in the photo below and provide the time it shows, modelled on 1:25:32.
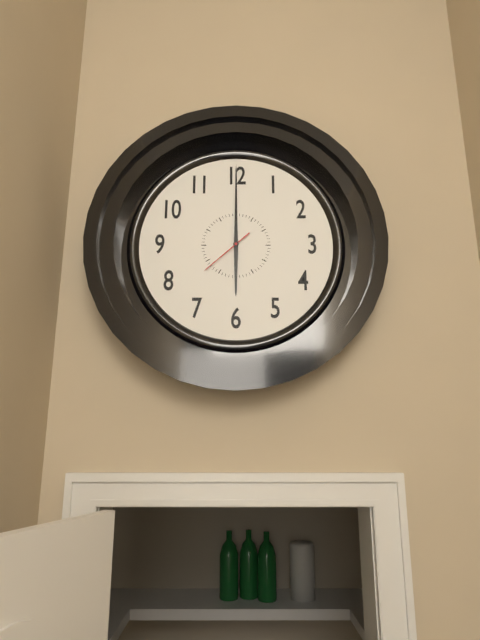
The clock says 6:00:38
